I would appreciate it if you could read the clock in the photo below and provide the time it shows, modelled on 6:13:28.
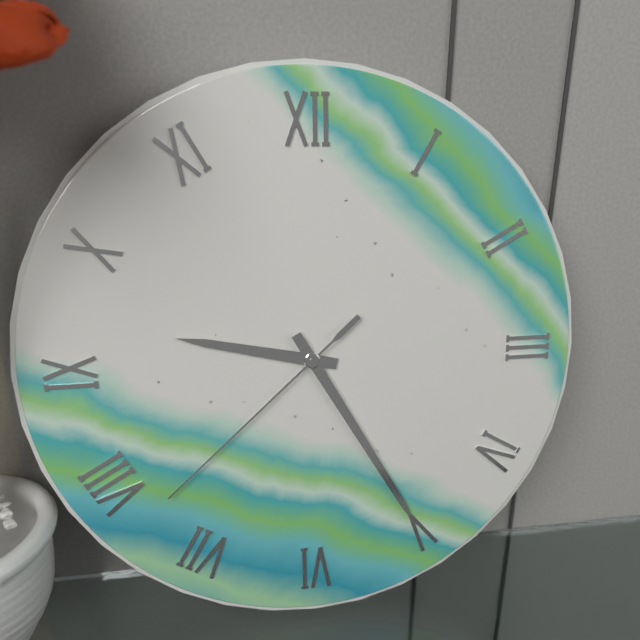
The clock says 9:25:38
